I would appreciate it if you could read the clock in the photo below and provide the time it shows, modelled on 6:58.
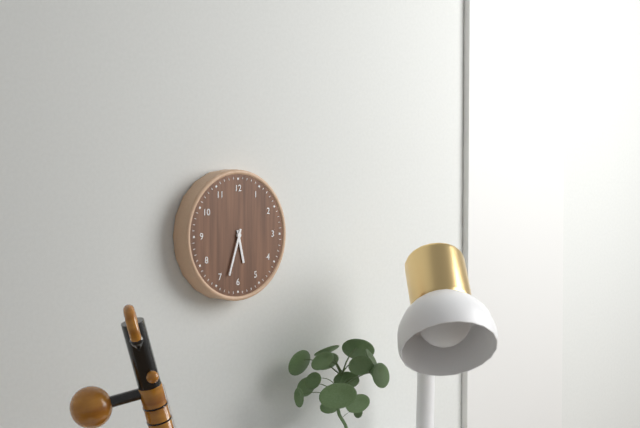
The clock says 5:33
